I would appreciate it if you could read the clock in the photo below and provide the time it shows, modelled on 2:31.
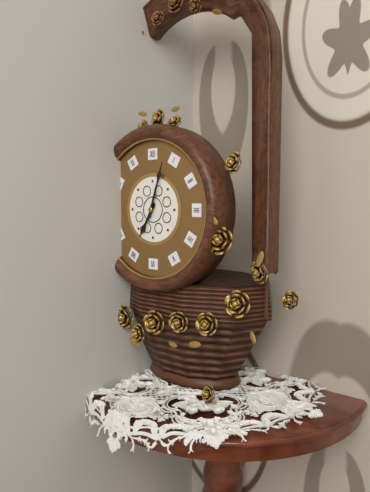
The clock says 7:03
